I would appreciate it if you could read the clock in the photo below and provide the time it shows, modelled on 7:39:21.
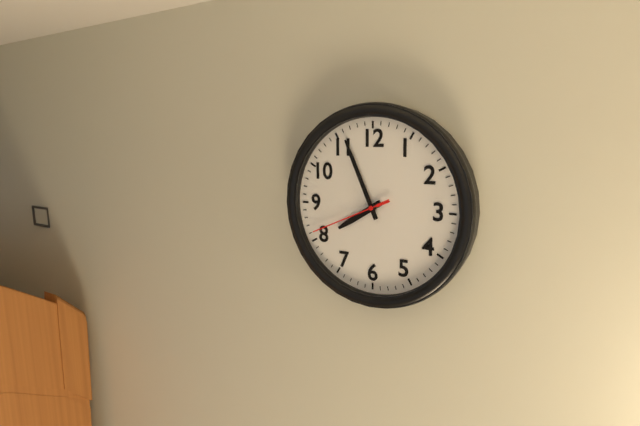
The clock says 7:56:41
